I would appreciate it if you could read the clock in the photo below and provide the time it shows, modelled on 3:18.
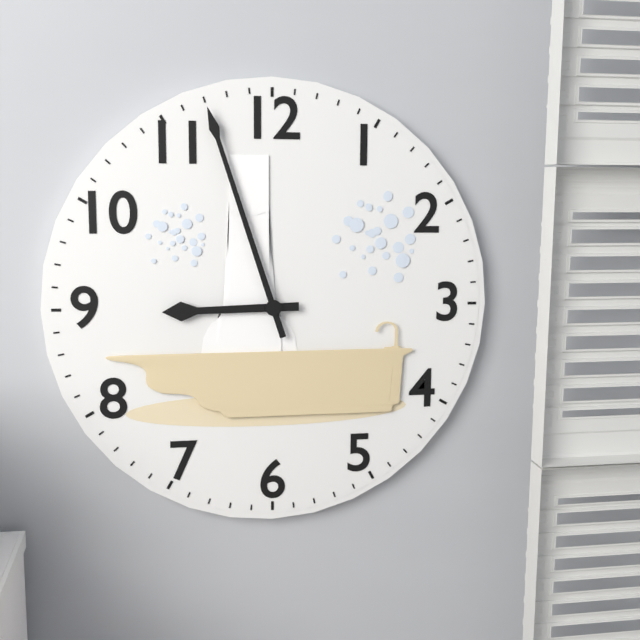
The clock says 8:57
